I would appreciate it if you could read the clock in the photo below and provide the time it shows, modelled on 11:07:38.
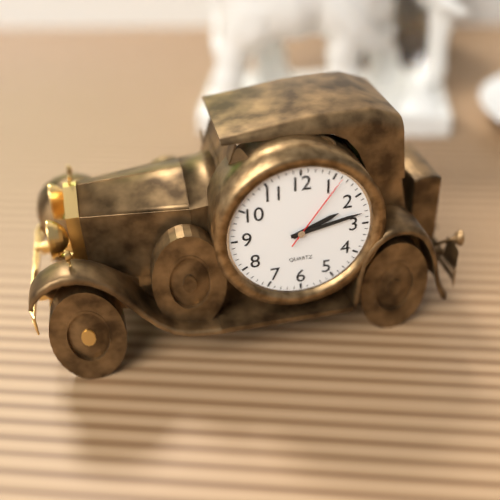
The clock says 2:13:06
